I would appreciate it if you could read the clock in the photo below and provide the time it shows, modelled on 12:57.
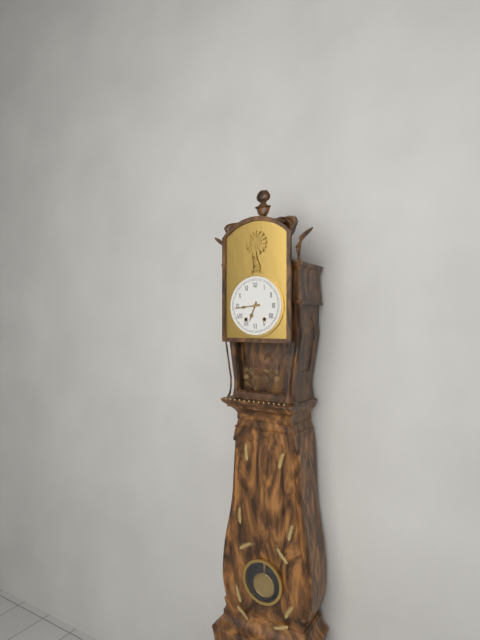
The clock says 6:44
